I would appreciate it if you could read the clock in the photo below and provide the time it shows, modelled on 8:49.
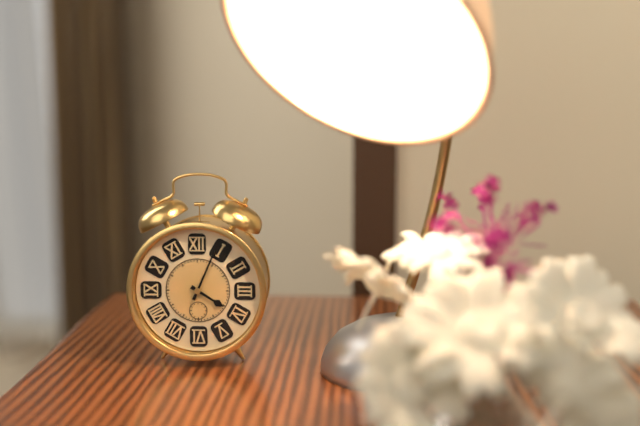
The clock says 4:04
